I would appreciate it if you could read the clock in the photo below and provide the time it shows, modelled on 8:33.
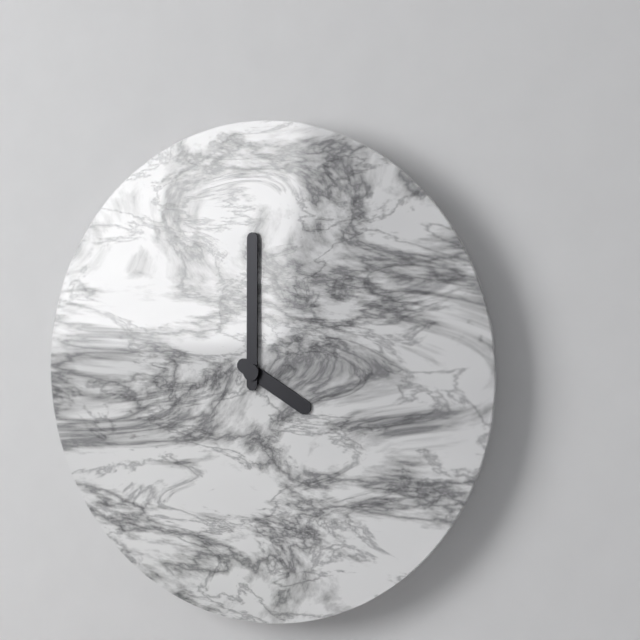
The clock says 4:00
